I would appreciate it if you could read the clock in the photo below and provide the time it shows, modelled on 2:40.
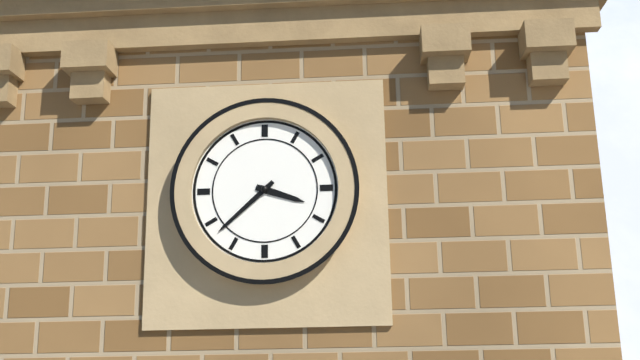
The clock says 3:38
